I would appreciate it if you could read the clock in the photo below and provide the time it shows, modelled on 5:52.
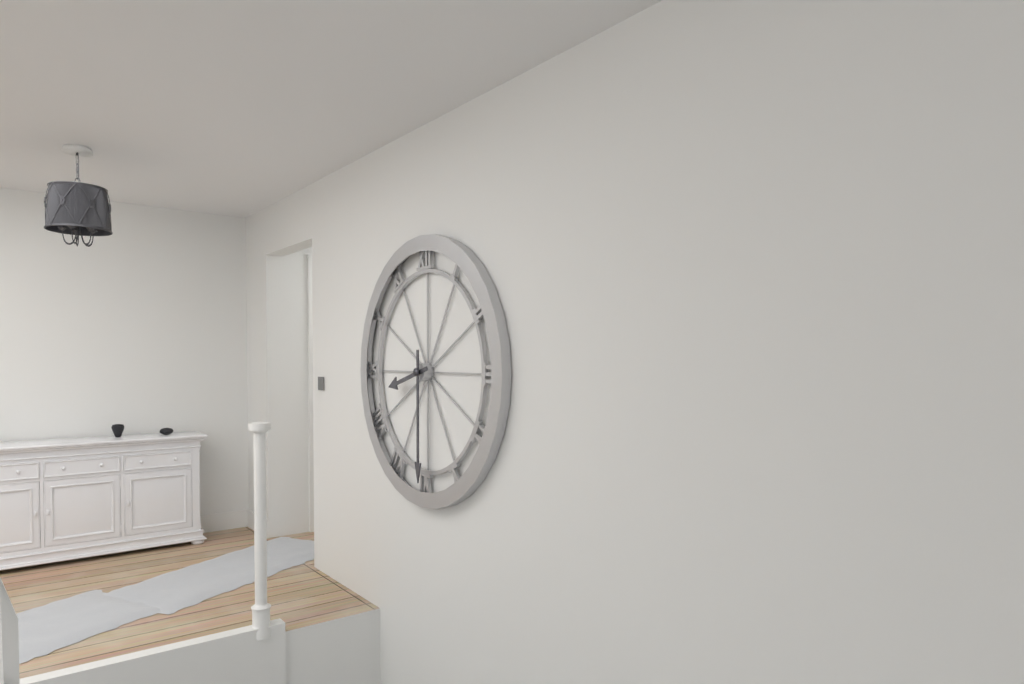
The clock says 8:30
